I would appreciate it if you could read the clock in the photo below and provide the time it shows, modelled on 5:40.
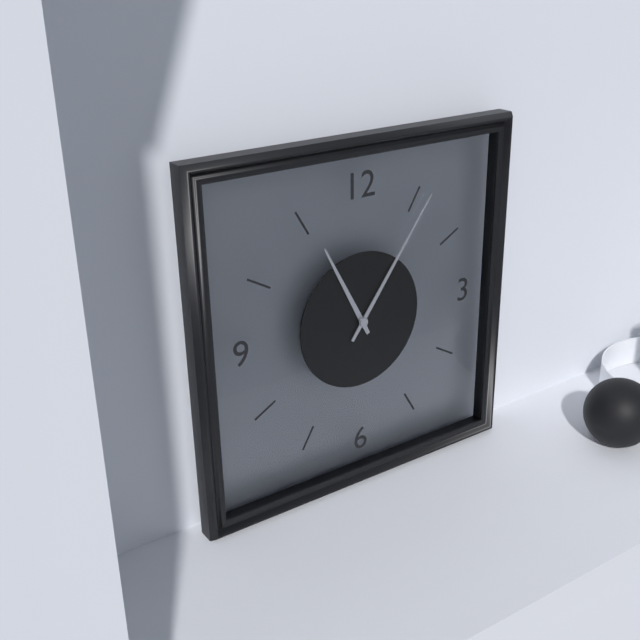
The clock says 11:06
